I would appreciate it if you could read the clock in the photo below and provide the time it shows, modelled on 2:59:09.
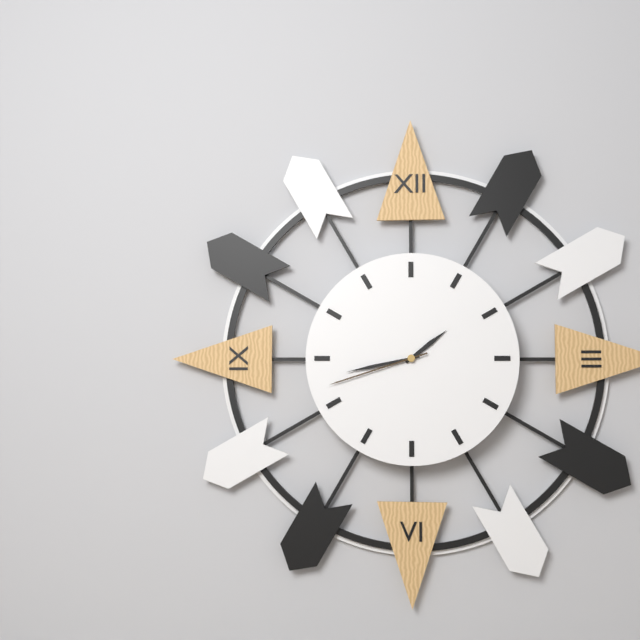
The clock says 1:43:42
